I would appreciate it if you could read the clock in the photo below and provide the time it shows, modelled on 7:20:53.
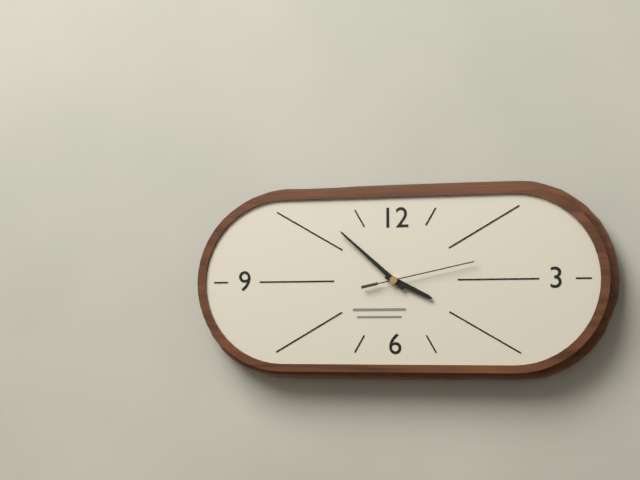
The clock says 3:52:13
